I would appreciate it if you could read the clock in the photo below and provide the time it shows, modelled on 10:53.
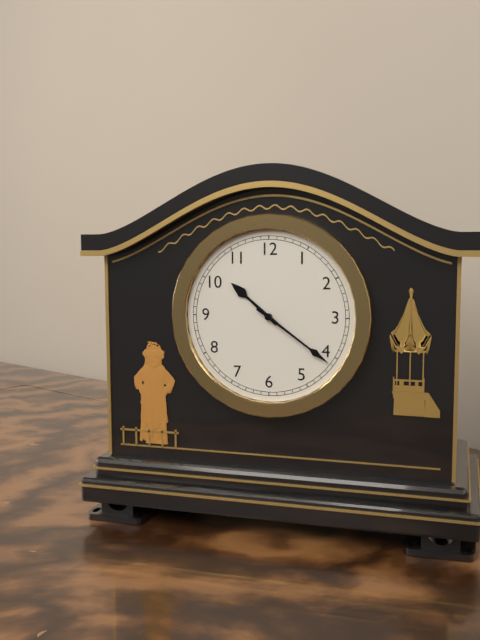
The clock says 10:21
